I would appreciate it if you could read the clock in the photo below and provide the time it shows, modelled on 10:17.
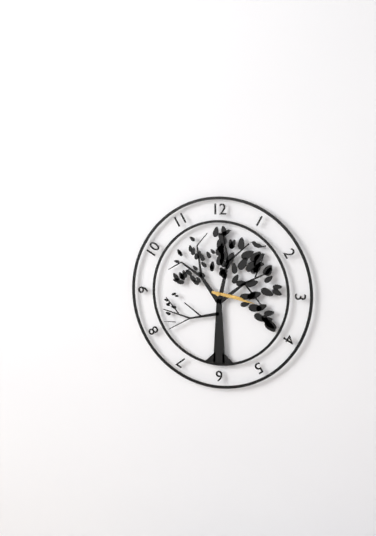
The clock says 3:17
